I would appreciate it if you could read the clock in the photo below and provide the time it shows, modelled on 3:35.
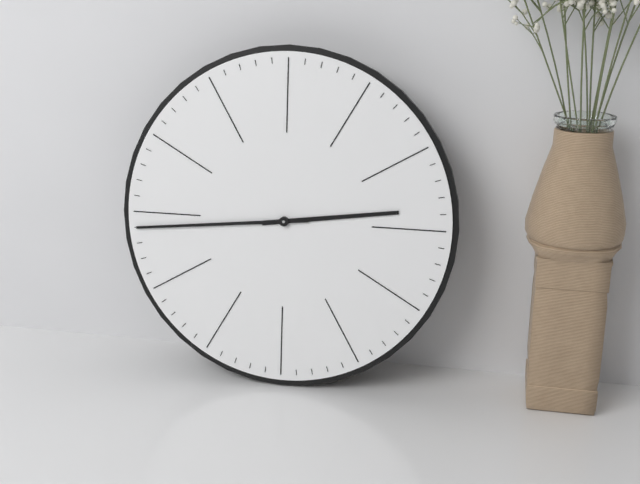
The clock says 2:44
